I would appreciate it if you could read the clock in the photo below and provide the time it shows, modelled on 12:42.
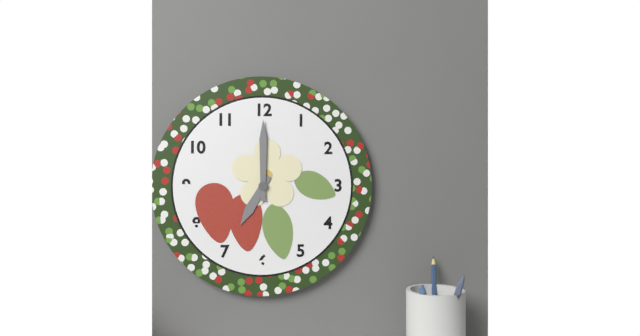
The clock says 7:00
